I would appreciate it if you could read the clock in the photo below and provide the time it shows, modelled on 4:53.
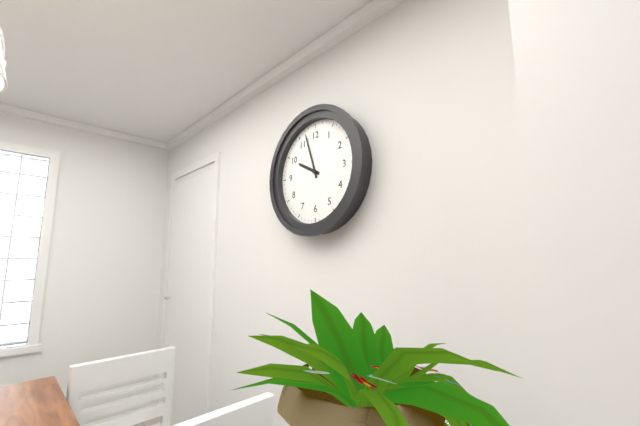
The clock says 9:57
